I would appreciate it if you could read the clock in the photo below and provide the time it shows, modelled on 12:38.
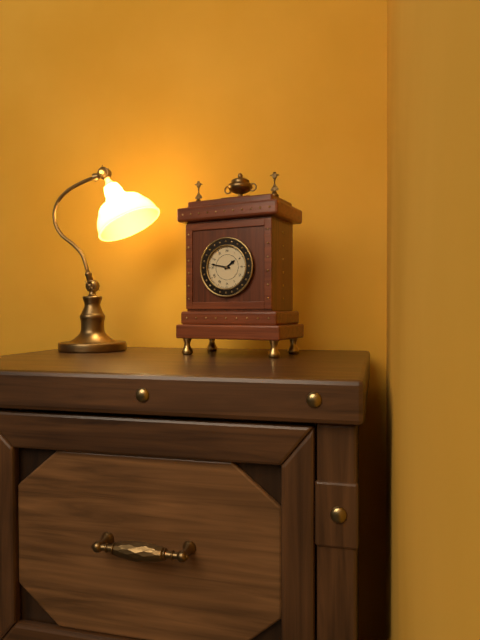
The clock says 1:47
